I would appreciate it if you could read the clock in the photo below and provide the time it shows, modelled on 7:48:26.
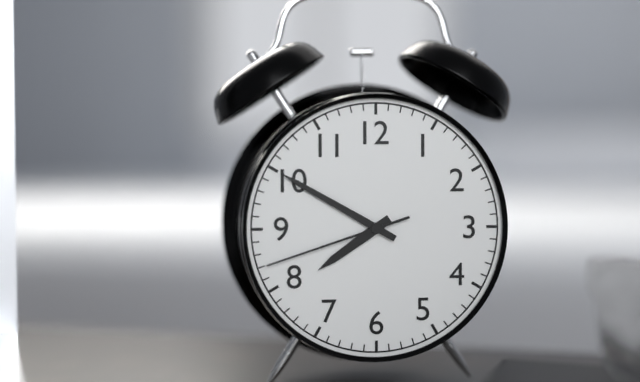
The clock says 7:50:42
